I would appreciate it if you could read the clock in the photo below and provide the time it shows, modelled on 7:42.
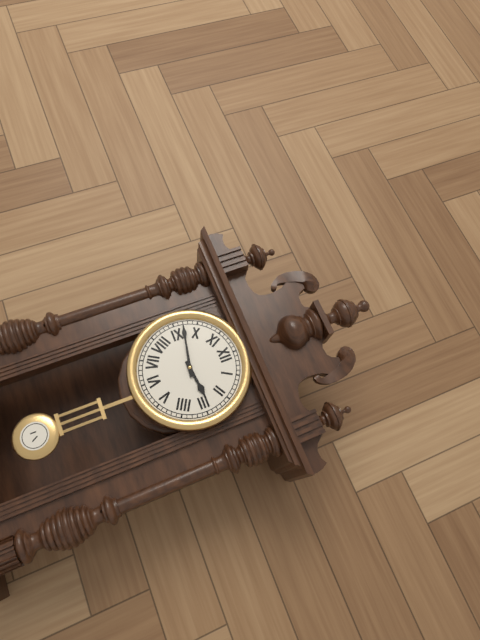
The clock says 2:47
